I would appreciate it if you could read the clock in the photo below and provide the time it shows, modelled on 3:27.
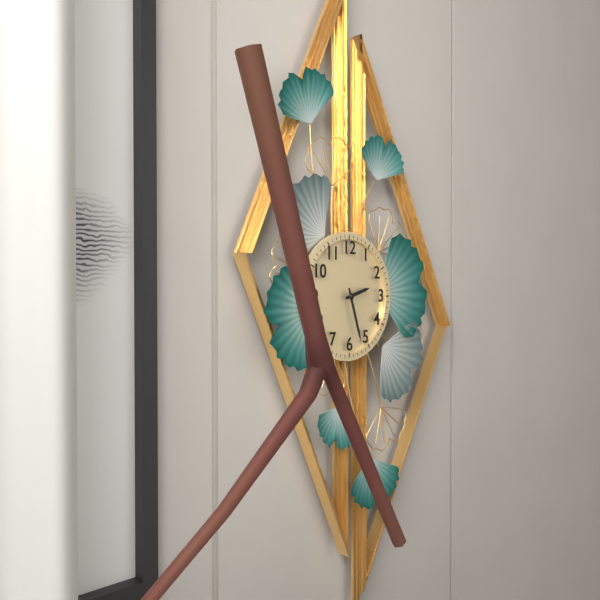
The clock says 2:27
